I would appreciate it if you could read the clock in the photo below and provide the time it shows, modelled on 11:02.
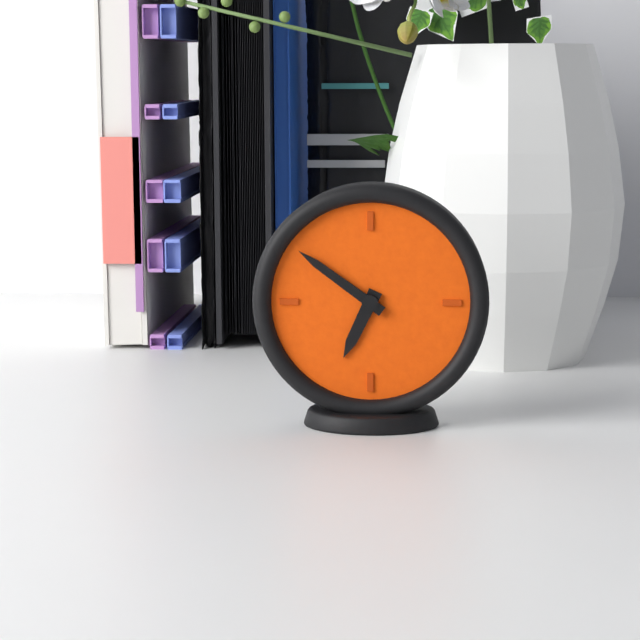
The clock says 6:51
